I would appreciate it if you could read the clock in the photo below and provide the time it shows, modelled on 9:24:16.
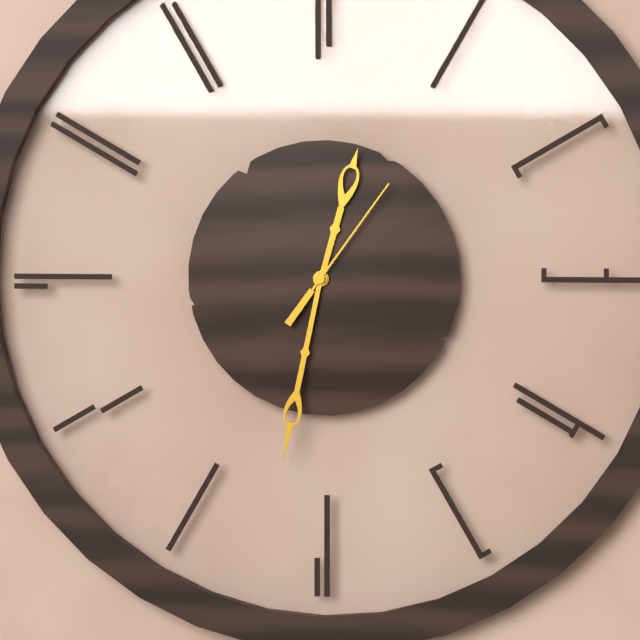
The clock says 12:32:06
